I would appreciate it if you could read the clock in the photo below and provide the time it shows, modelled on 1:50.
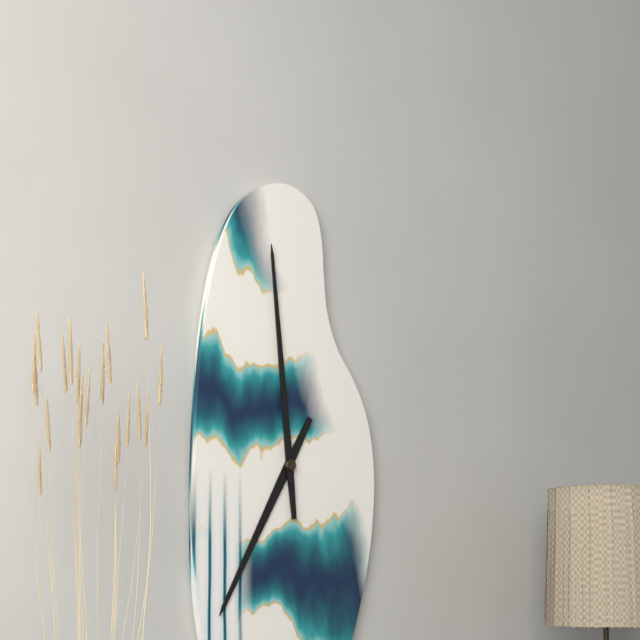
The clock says 6:59
